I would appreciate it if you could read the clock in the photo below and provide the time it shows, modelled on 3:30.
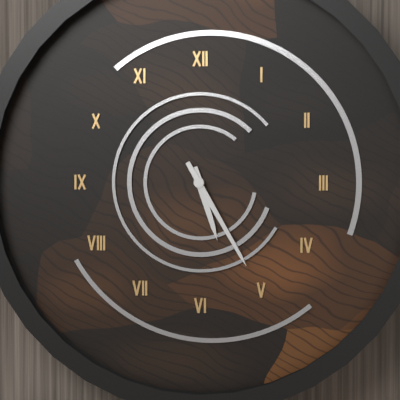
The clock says 5:25
